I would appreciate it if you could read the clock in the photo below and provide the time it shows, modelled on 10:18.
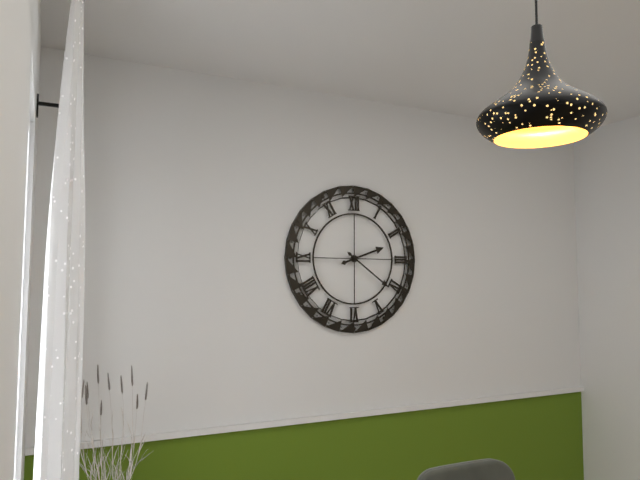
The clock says 2:21
